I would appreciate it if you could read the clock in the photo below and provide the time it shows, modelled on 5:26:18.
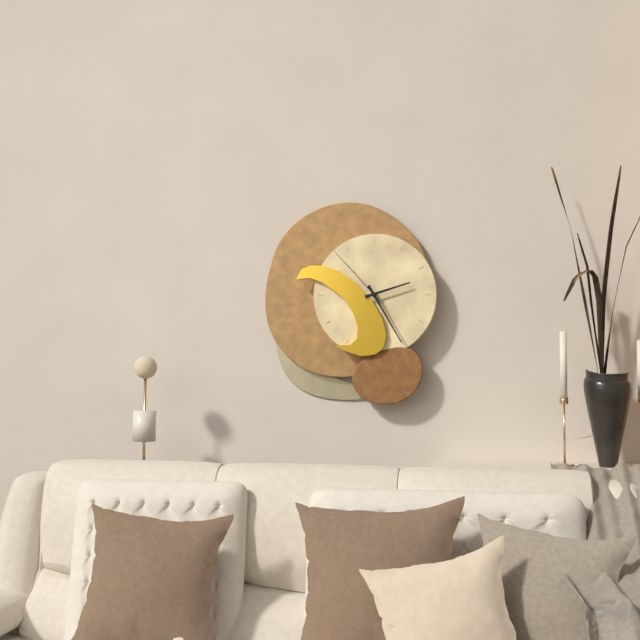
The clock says 2:25:53
